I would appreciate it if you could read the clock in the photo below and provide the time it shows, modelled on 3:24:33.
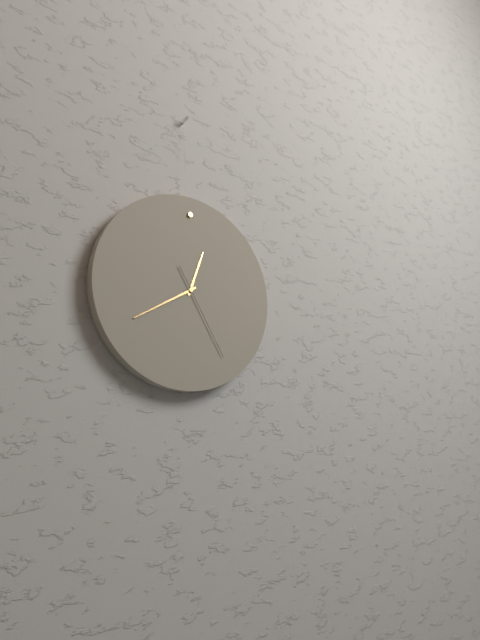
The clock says 12:40:25
